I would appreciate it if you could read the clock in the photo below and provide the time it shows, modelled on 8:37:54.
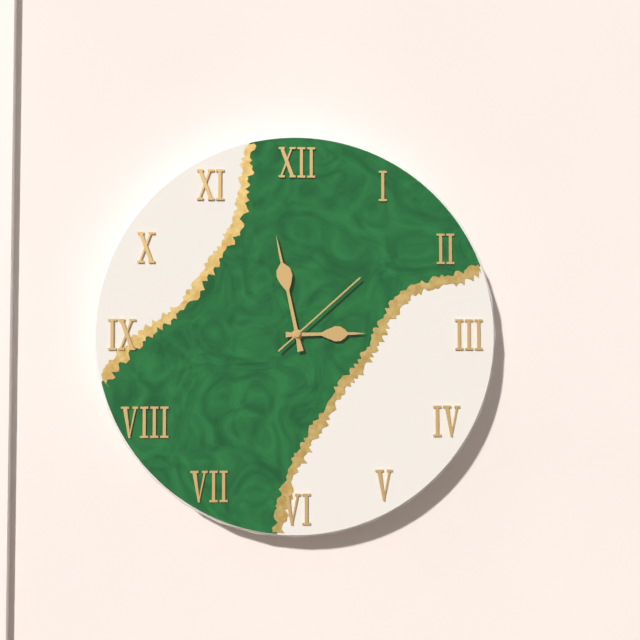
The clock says 2:58:08
